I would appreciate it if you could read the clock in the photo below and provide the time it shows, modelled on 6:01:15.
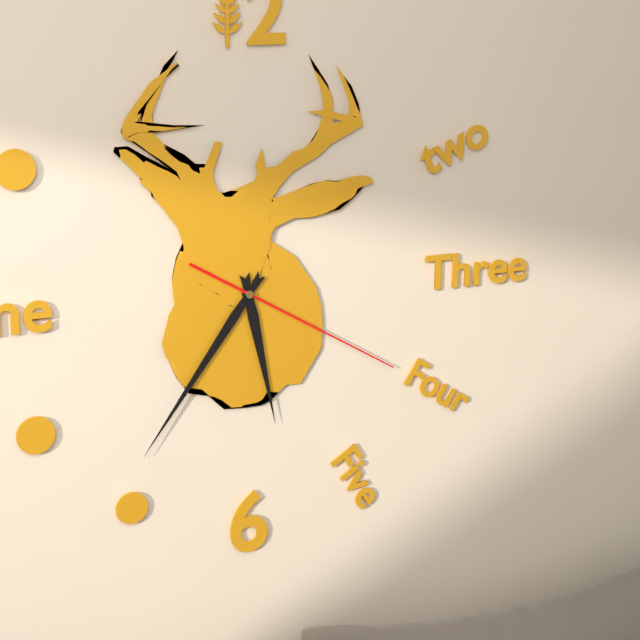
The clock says 5:36:20
